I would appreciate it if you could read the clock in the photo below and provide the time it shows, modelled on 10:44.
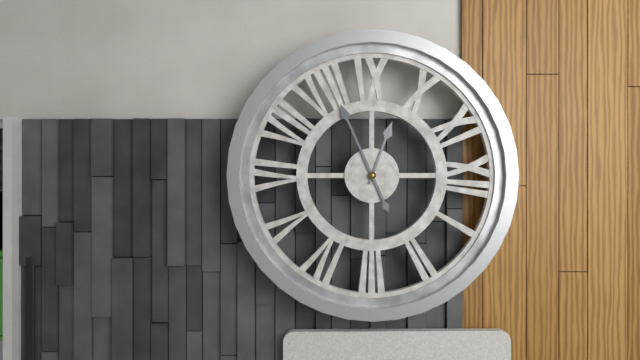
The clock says 9:41
